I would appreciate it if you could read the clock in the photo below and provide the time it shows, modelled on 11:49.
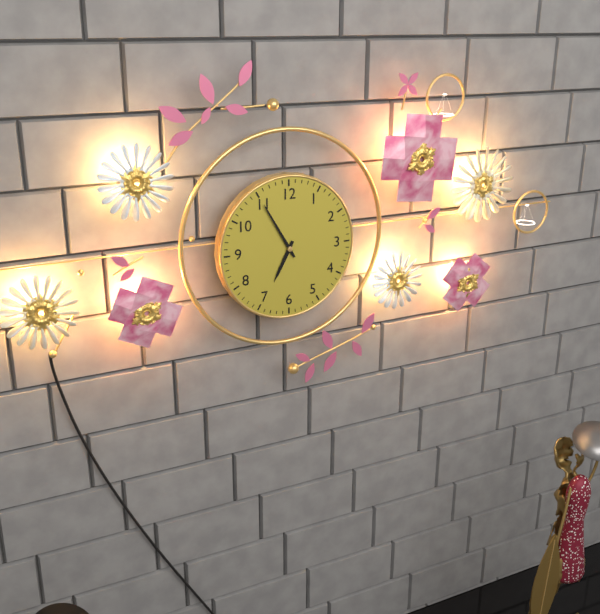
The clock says 6:55
